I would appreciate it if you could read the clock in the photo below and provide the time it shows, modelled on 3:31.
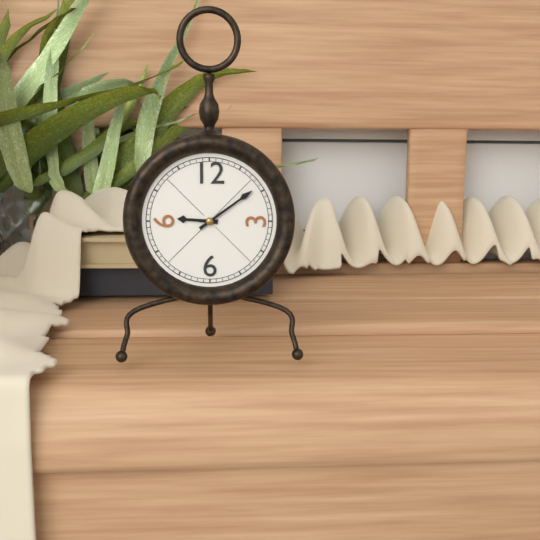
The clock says 9:09
